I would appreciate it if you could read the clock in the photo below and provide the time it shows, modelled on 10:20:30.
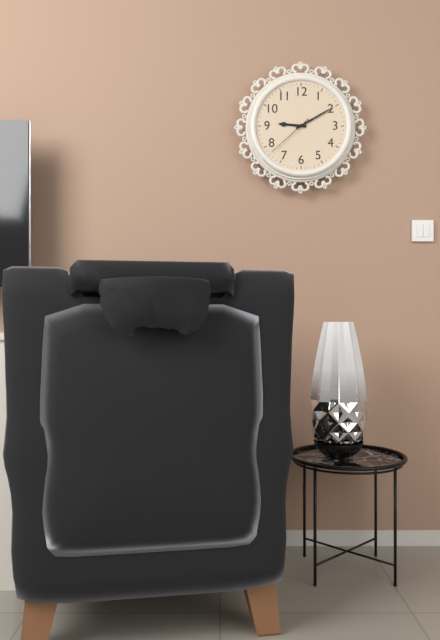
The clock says 9:10:38
